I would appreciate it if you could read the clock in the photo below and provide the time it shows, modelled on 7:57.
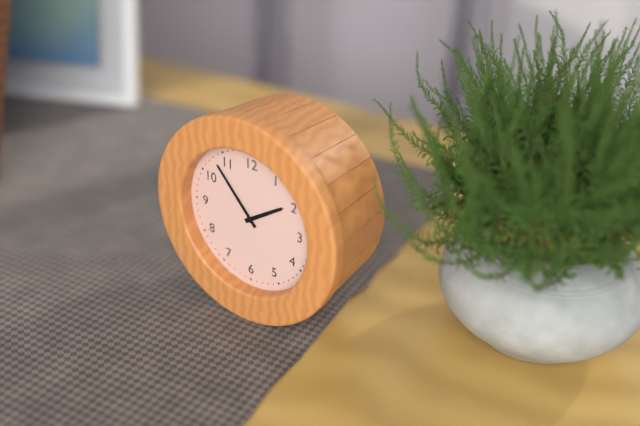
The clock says 1:53
